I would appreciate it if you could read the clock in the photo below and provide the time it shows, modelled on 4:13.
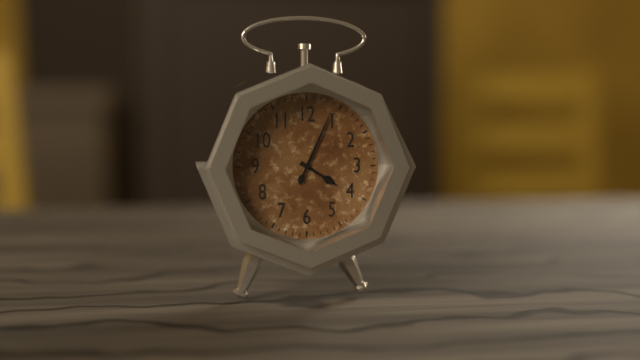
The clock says 4:04
